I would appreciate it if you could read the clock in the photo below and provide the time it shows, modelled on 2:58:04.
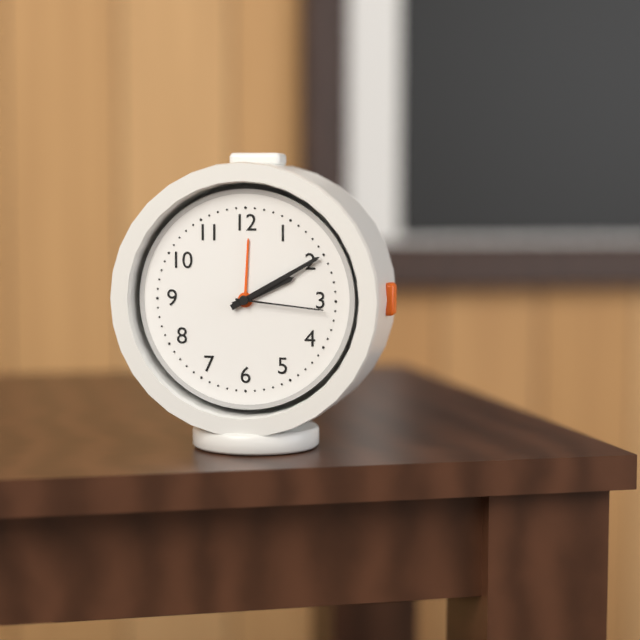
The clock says 2:10:16
